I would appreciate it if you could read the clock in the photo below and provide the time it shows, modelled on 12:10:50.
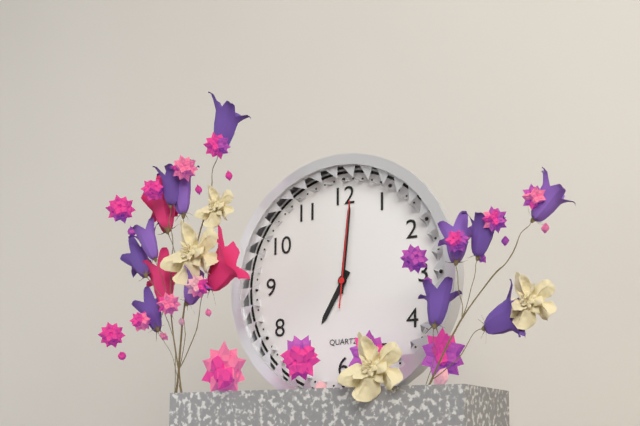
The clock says 7:01:01
